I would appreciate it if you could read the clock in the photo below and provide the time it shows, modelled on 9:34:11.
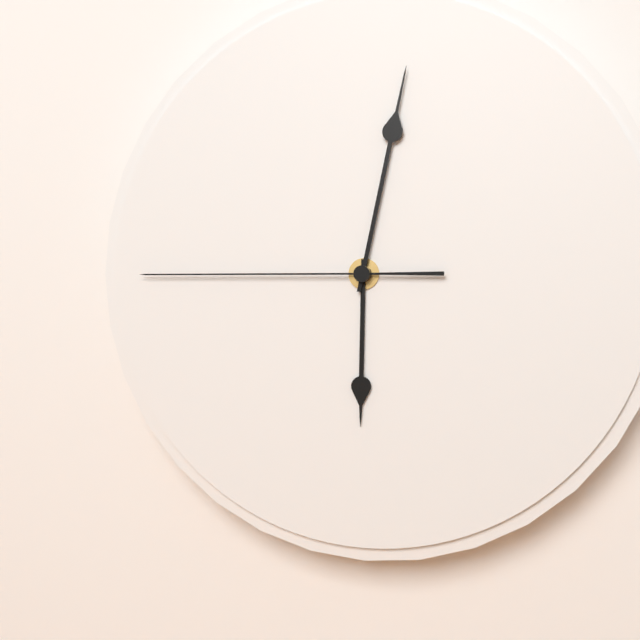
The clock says 6:02:45
